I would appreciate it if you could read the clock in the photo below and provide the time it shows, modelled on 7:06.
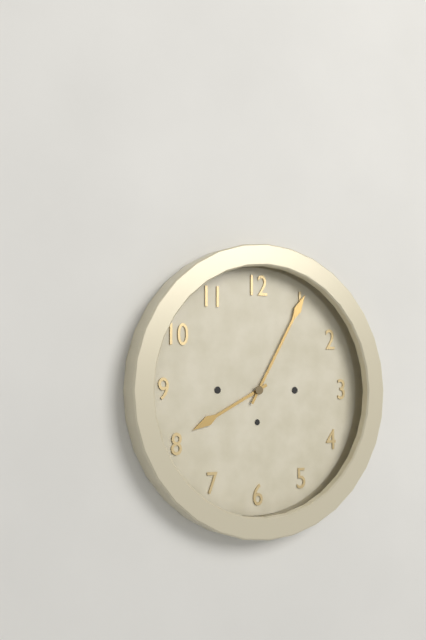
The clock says 8:05
